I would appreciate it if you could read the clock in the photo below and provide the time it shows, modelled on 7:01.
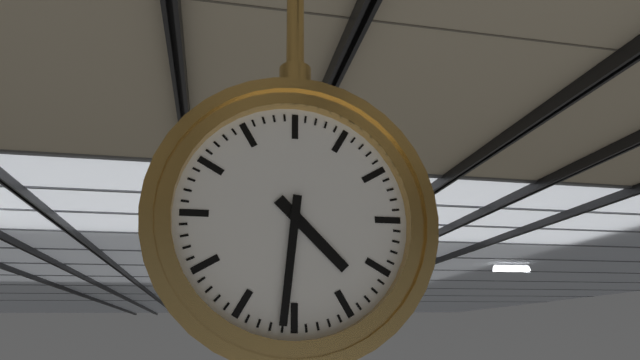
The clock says 4:31
